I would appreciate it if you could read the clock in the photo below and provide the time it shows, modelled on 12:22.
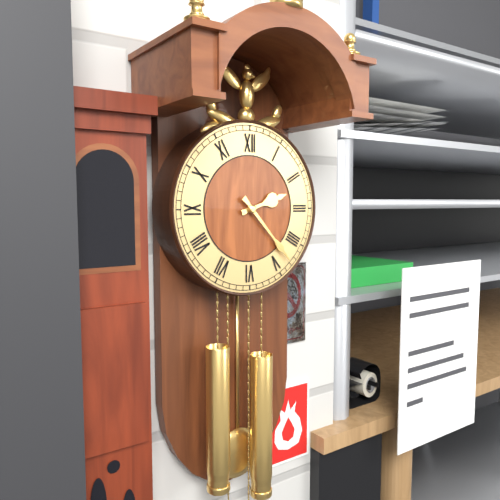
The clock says 2:23
